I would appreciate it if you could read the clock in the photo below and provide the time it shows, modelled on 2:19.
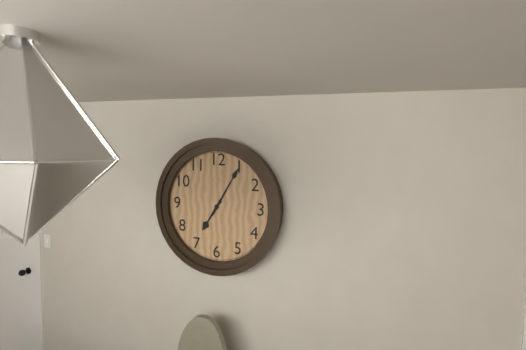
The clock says 7:05
